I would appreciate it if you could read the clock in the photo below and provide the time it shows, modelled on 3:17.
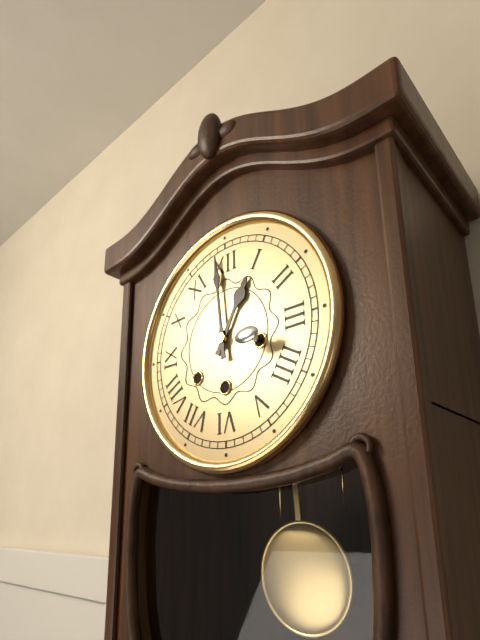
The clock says 12:59
